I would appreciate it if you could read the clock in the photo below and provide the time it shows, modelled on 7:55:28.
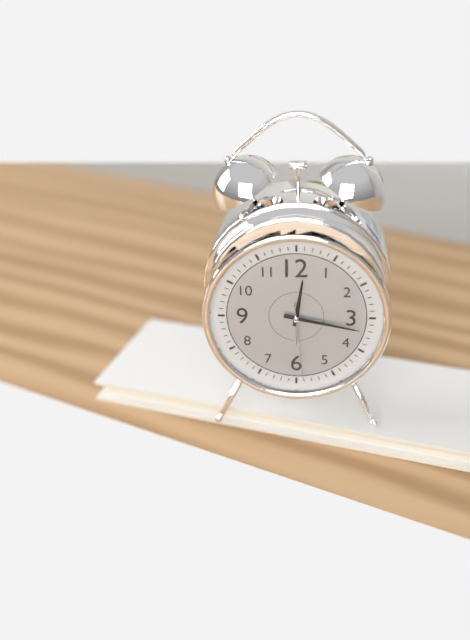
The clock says 12:17:29
